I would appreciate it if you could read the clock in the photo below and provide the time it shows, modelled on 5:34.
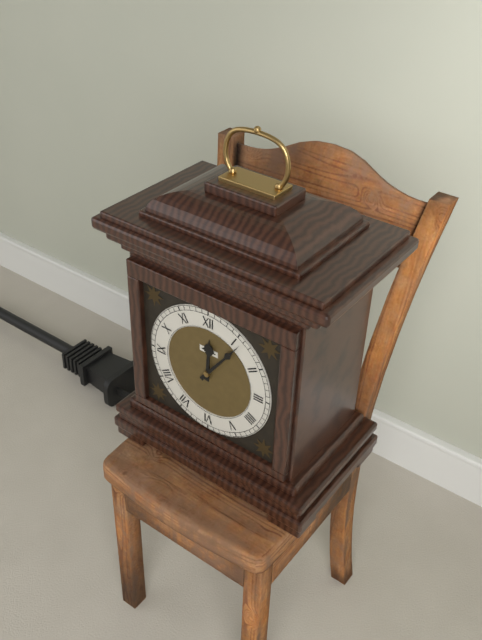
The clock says 12:06
